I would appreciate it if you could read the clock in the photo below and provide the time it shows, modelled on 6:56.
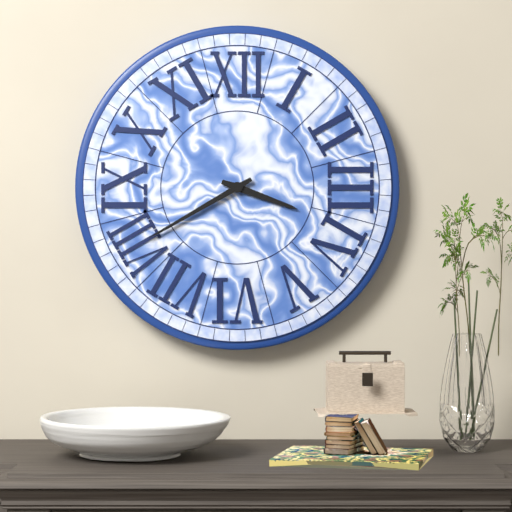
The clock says 3:40
